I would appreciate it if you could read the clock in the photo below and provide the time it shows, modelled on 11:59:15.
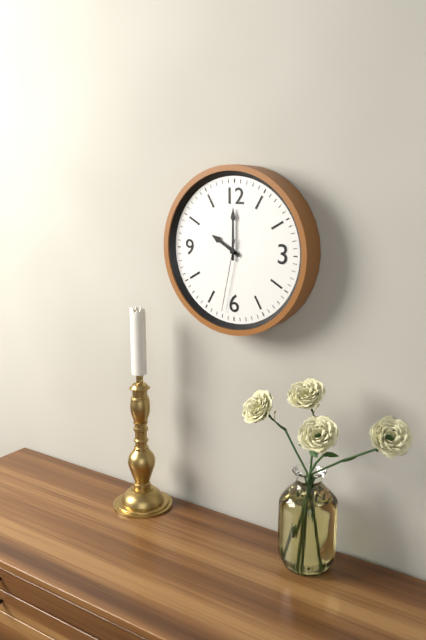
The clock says 10:00:32
